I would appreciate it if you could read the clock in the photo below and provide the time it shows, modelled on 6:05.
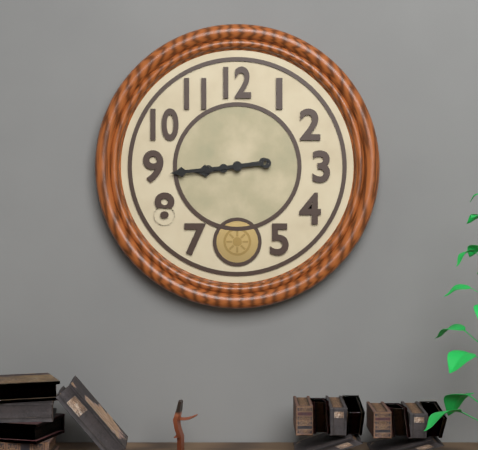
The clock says 8:44
